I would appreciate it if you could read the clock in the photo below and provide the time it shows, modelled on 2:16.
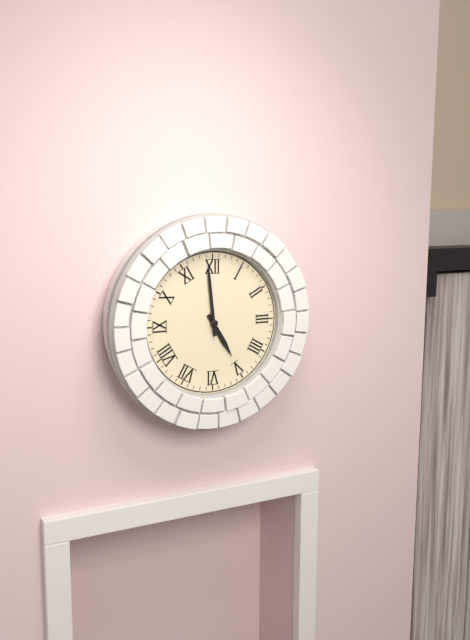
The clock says 4:59
